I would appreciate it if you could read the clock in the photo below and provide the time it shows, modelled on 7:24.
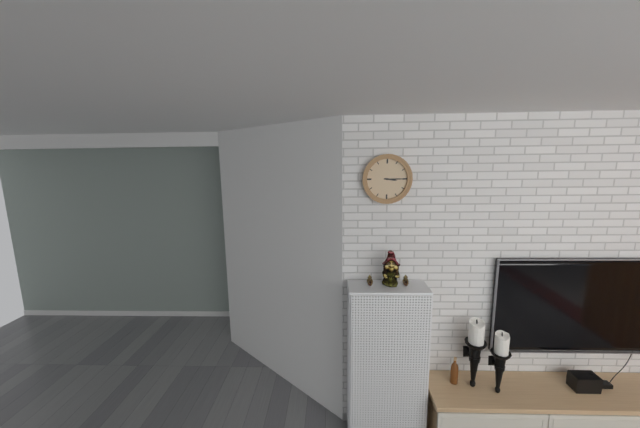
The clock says 3:15
